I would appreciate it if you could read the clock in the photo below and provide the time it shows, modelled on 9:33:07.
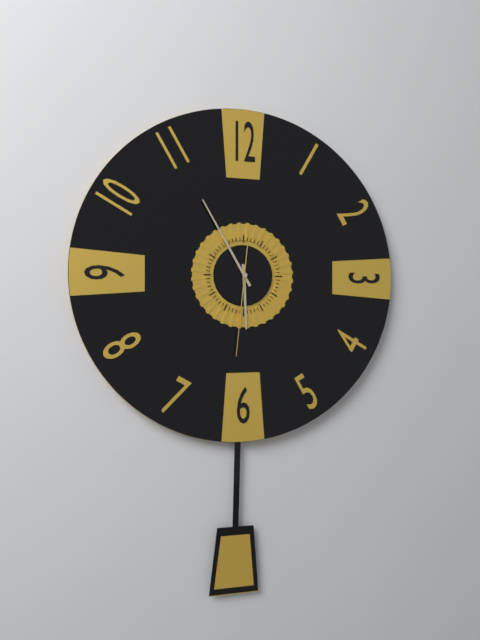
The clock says 5:55:31
